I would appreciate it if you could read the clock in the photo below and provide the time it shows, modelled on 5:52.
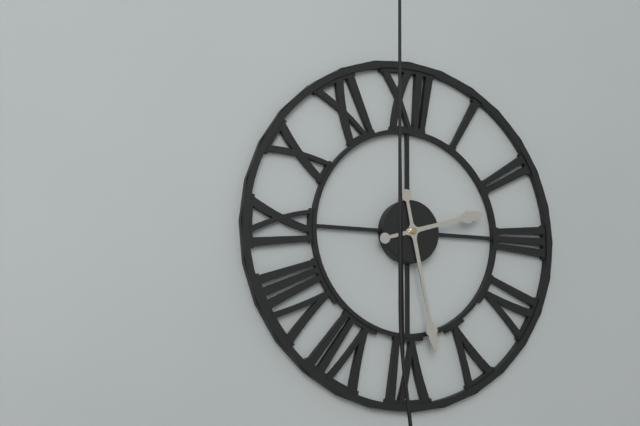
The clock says 2:28
